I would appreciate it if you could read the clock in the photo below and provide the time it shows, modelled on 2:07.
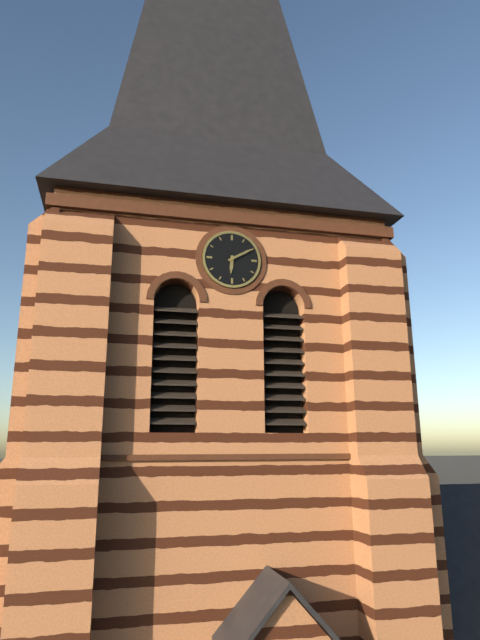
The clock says 6:10
